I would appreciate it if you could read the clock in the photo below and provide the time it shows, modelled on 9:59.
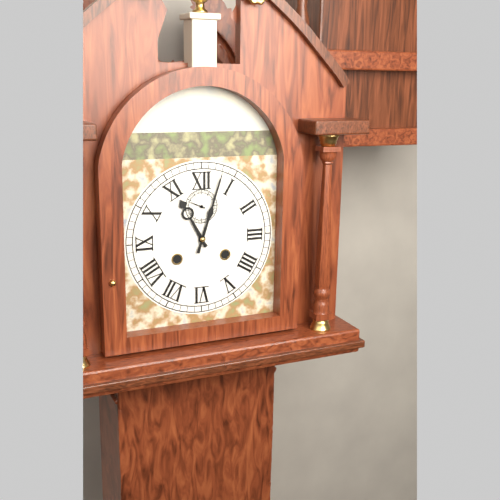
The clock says 11:03
